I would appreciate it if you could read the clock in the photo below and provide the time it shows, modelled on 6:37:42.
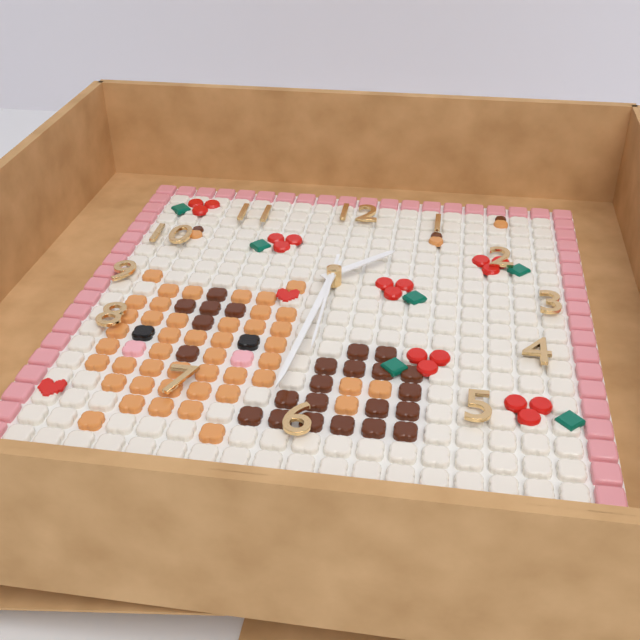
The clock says 1:31:30
